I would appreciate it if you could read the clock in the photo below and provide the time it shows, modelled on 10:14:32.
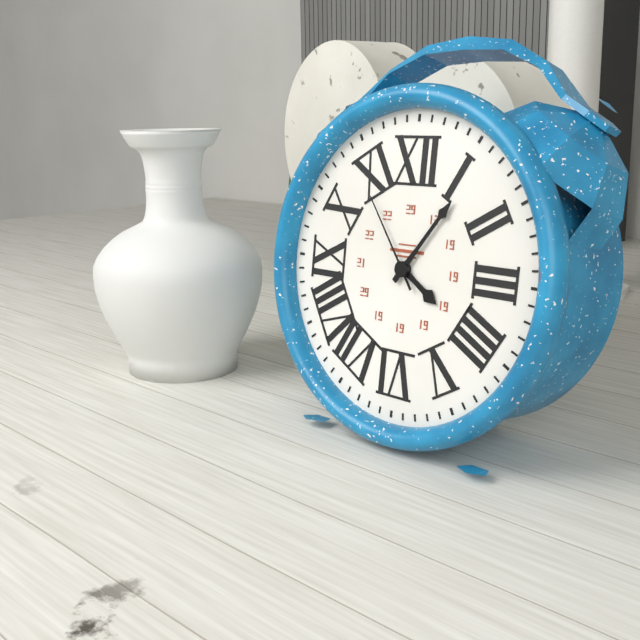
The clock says 4:06:54
